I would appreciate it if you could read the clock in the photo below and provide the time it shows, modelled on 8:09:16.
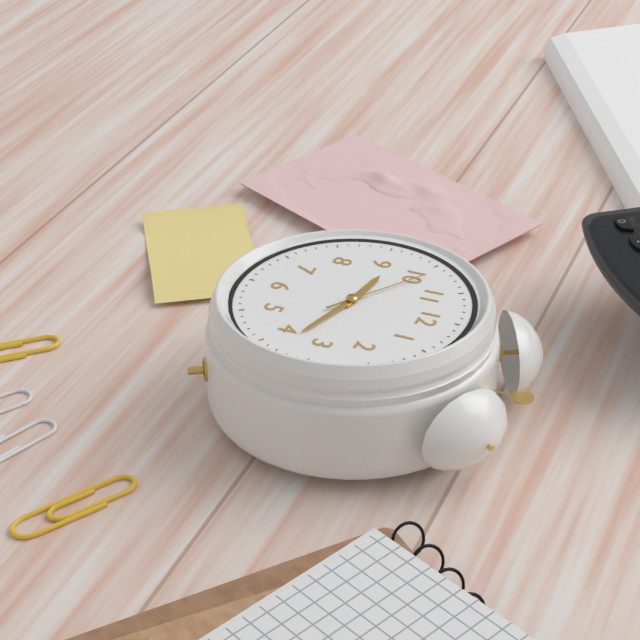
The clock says 9:18:51
